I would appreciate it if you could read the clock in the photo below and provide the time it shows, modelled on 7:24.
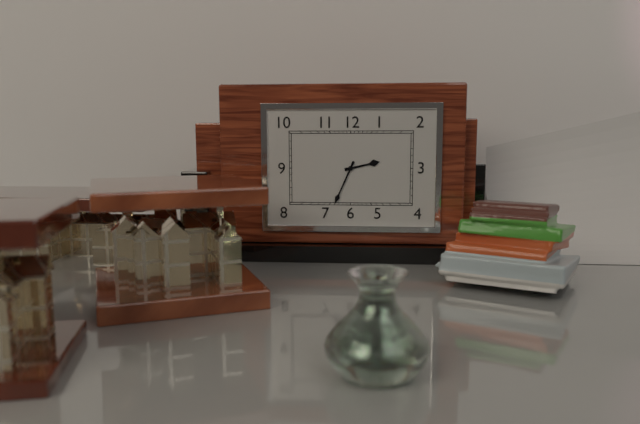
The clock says 2:34
